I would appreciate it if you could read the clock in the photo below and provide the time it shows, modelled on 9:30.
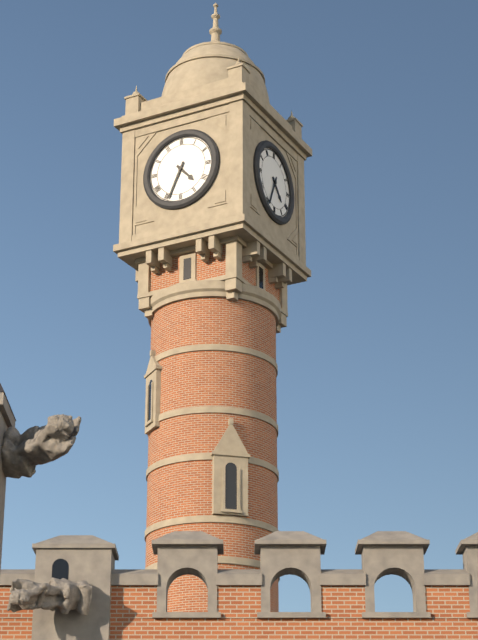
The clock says 4:34
